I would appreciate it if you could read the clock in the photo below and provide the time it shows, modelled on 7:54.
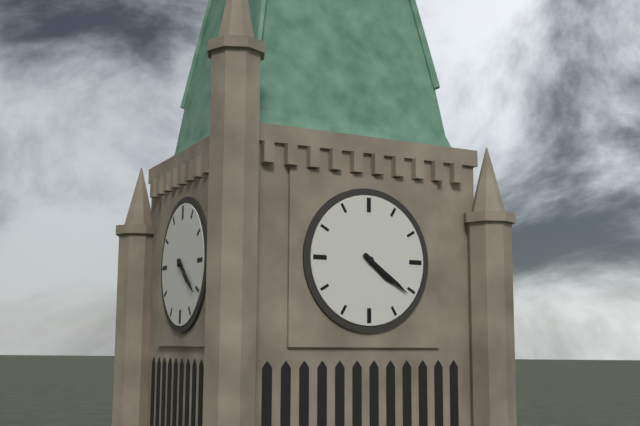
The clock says 4:21
